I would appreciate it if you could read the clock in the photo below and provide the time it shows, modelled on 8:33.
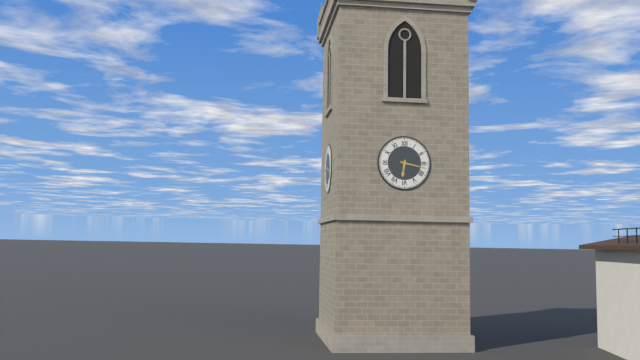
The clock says 6:17
